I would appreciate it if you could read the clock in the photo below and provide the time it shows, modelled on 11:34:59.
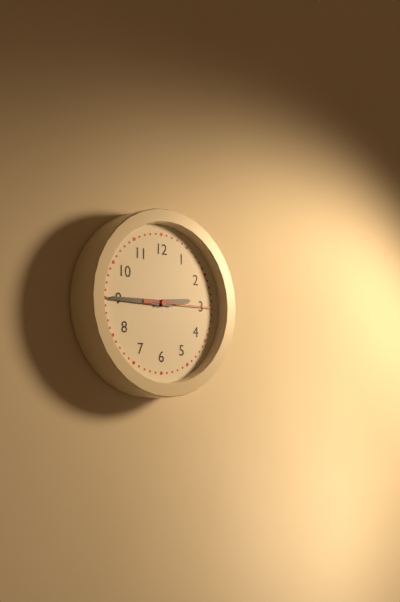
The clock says 2:45:15
